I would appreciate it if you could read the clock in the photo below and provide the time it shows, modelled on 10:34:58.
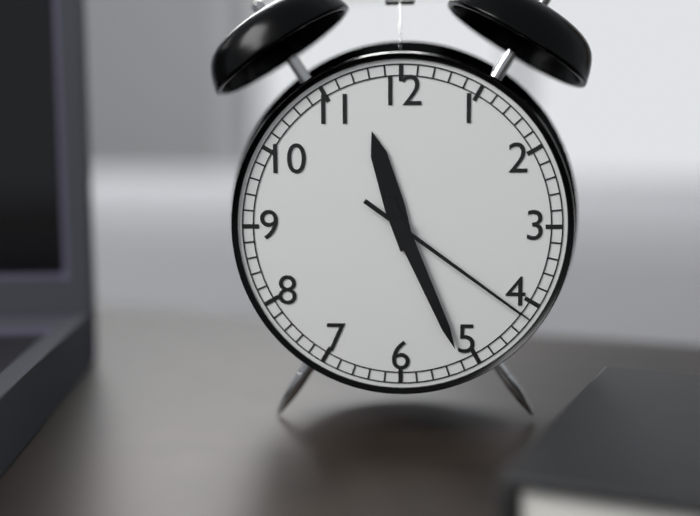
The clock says 11:26:21
